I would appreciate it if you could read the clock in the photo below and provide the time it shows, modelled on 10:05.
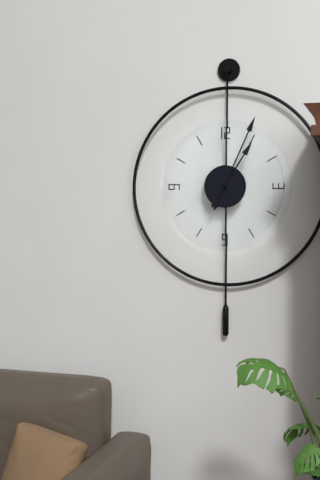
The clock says 1:04
